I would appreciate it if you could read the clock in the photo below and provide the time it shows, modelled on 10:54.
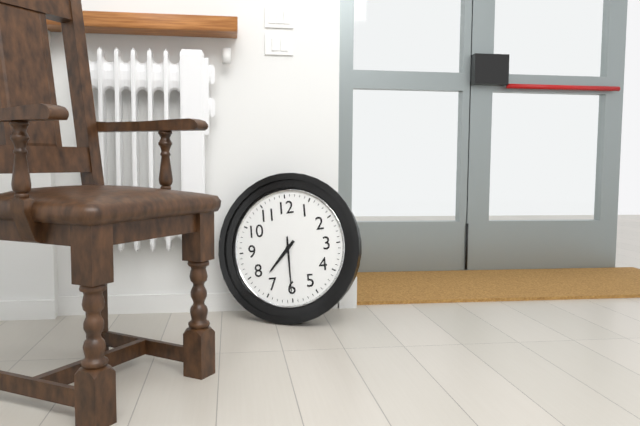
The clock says 7:30
